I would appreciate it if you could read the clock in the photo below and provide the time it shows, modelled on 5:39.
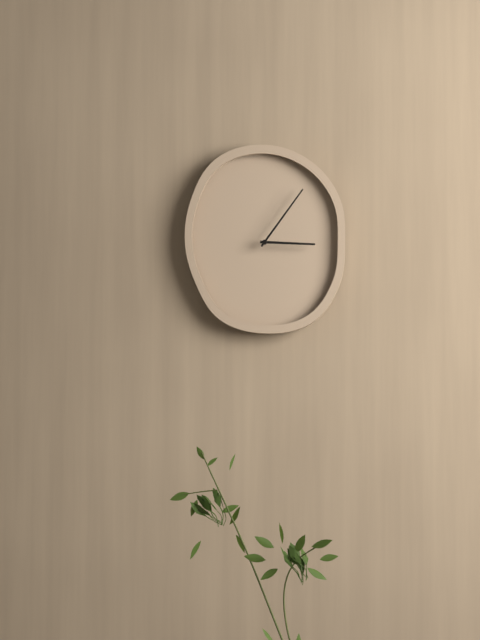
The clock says 3:06
